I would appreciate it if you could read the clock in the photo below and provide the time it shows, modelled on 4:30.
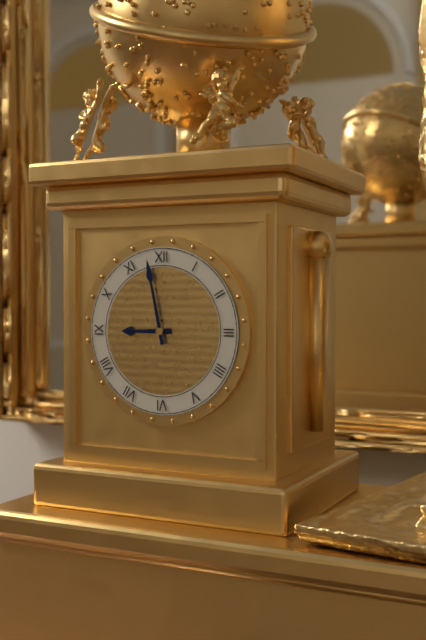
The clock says 8:58
